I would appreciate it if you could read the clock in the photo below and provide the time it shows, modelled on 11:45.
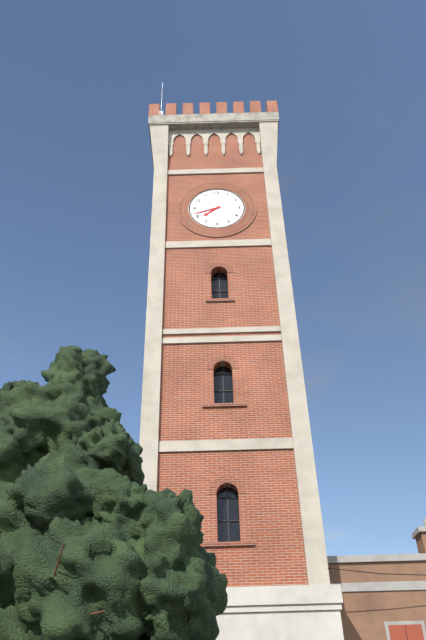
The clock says 7:42
